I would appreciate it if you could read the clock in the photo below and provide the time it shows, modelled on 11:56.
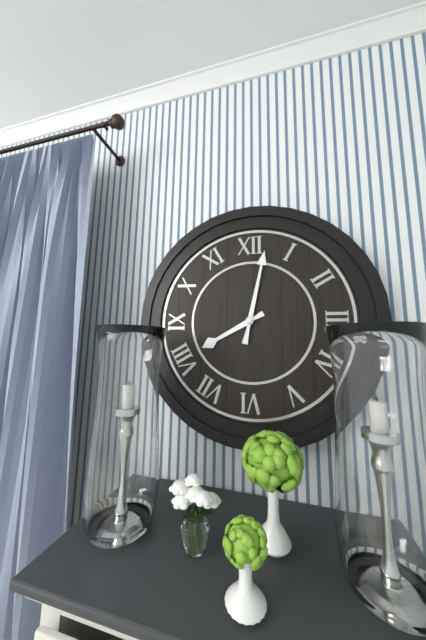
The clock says 8:02
